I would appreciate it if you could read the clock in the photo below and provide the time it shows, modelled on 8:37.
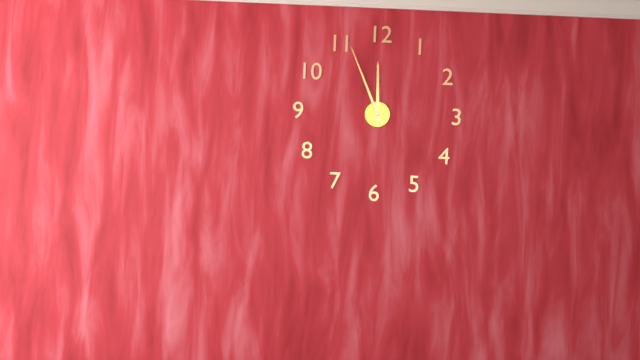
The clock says 11:56
